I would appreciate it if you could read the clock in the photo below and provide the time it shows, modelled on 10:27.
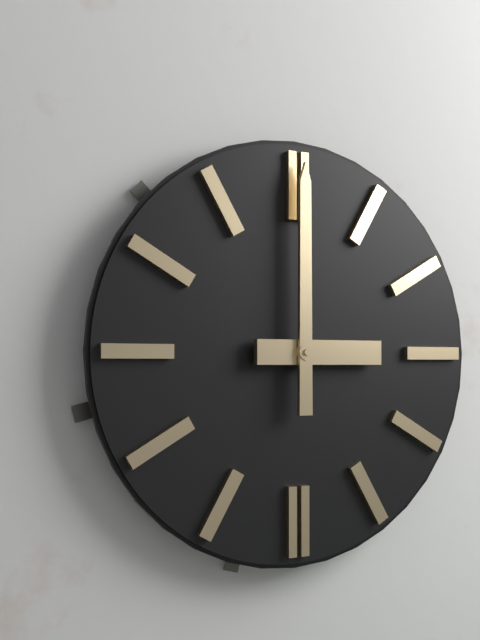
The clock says 3:00
